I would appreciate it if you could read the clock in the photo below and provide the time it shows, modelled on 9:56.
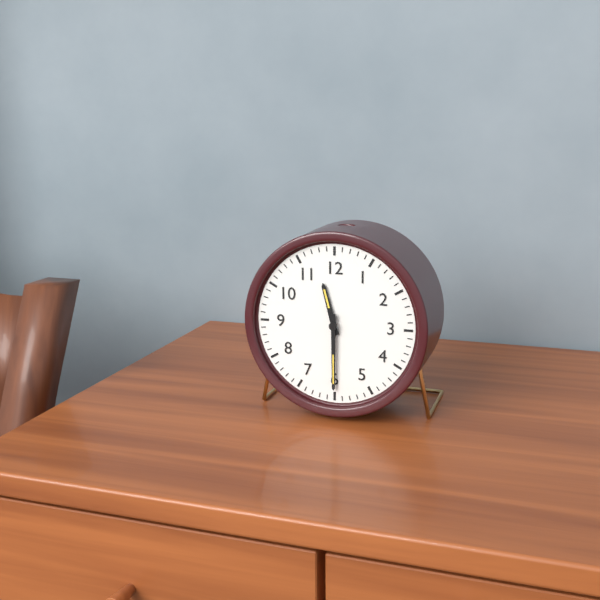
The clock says 11:30
